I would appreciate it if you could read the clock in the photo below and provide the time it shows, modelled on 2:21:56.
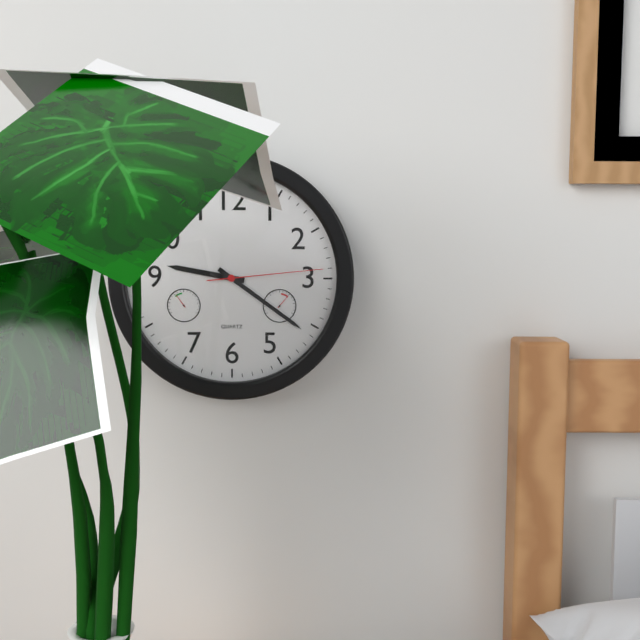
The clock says 9:21:14
